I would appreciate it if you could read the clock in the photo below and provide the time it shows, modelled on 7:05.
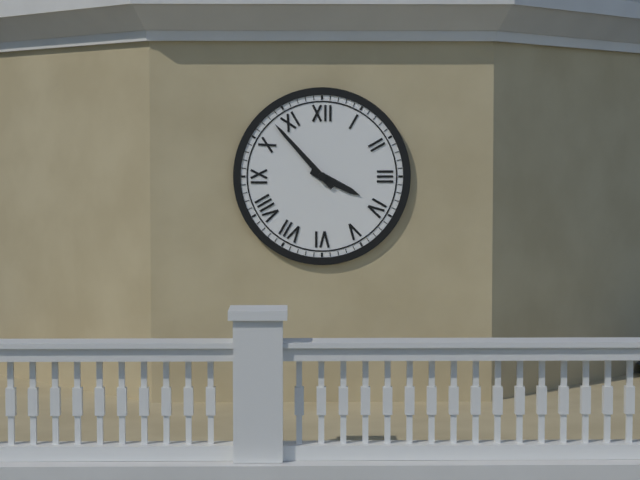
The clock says 3:53
